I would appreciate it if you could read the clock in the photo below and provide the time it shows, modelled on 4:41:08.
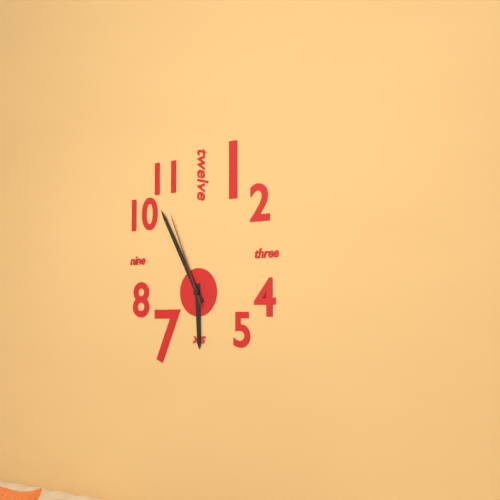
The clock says 5:55:56
